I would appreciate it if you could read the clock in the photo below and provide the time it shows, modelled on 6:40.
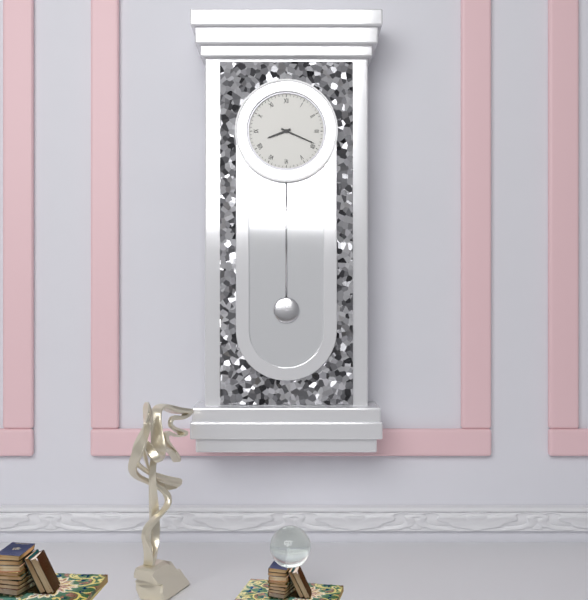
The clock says 8:19
